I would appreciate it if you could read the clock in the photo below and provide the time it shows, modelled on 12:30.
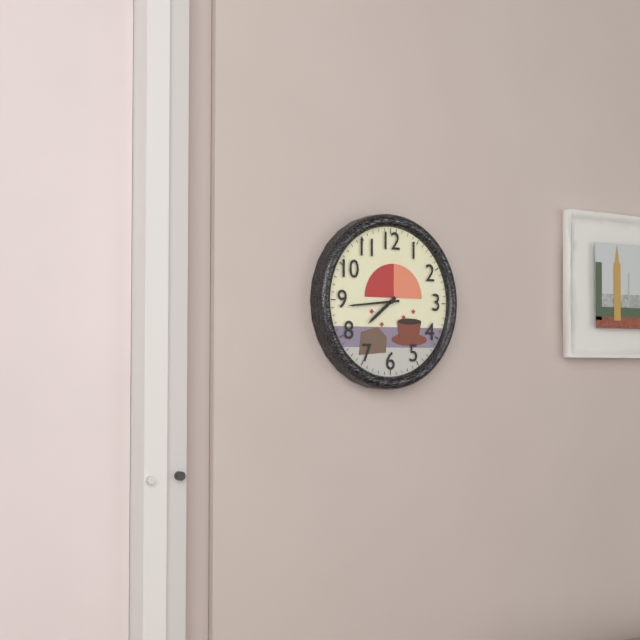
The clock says 7:44
